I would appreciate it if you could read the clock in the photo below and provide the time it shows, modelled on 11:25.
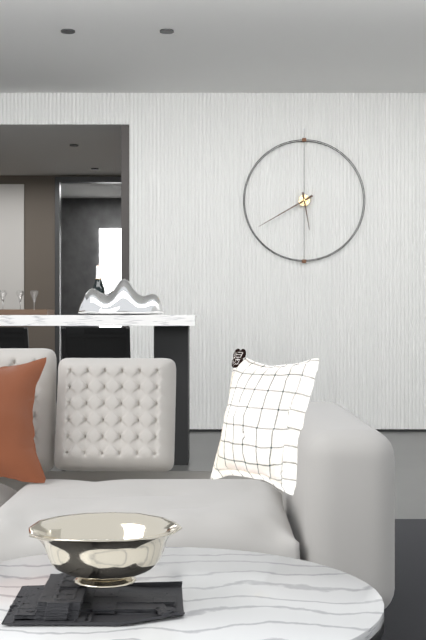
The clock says 5:40
